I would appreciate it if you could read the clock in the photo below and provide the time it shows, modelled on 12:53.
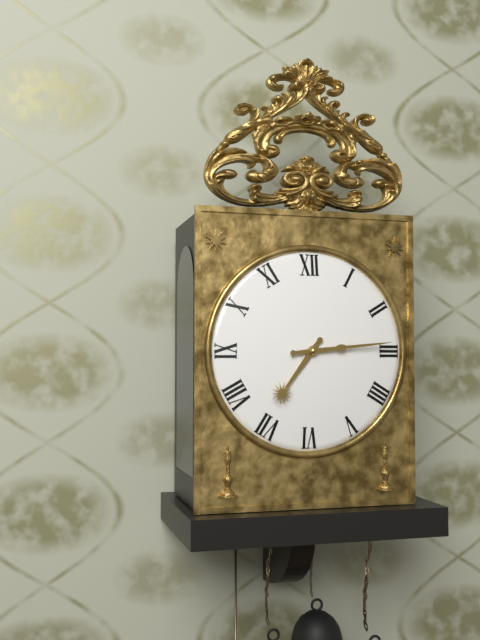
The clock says 7:14
